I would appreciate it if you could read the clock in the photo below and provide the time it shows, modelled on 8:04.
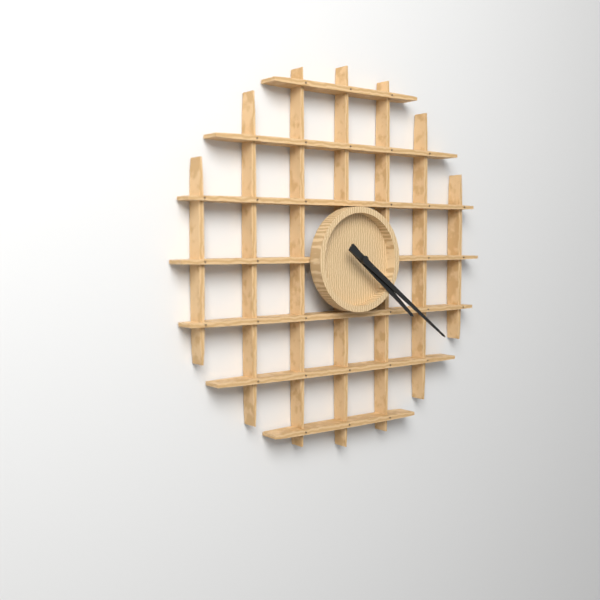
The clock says 4:21
